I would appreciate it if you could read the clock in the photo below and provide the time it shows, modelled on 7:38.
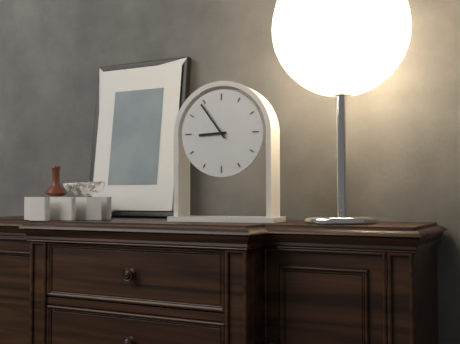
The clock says 8:54
